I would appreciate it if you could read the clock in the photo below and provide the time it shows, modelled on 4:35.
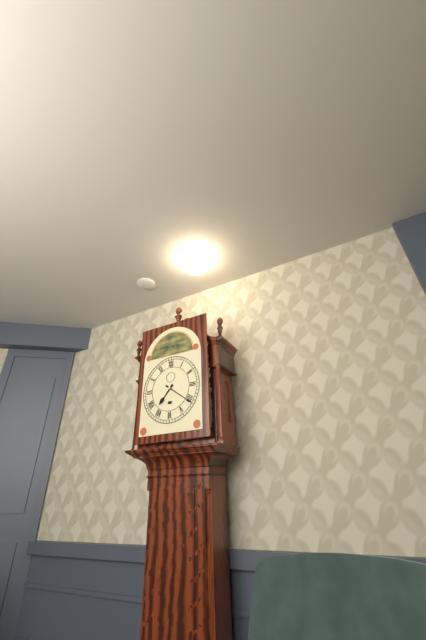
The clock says 7:21
